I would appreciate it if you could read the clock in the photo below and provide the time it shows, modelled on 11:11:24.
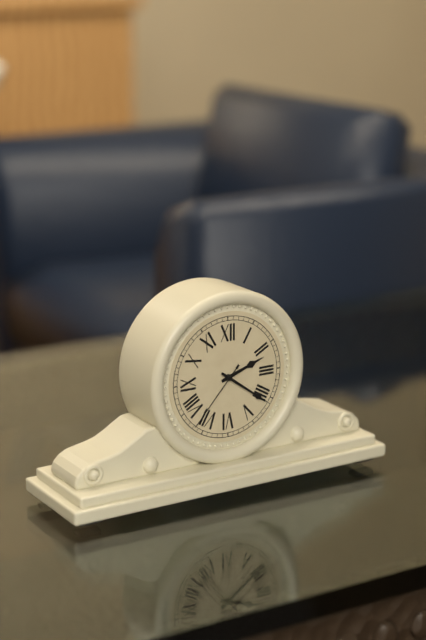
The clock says 2:21:37
